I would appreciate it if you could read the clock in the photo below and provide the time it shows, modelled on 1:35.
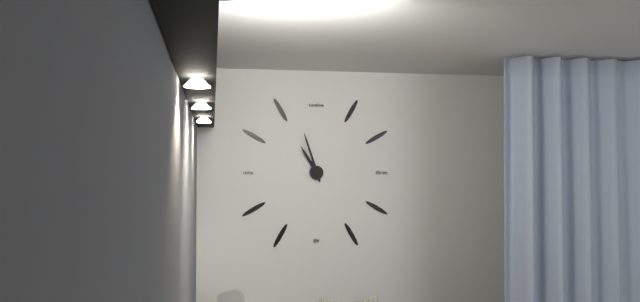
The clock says 10:57
